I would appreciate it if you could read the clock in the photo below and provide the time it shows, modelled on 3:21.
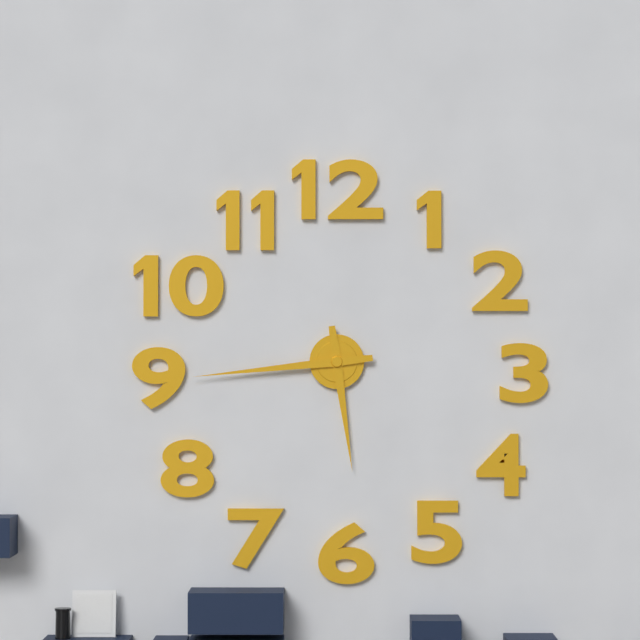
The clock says 5:44
